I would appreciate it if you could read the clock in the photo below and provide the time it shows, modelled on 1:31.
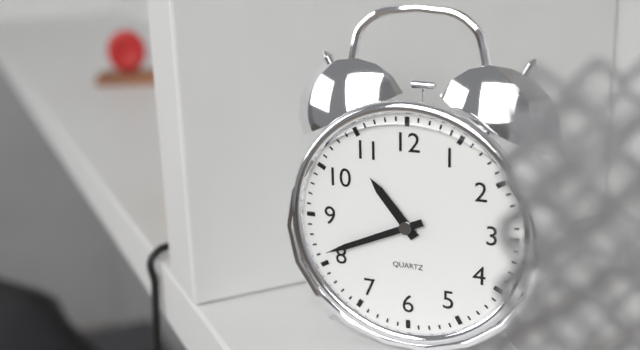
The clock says 10:41
